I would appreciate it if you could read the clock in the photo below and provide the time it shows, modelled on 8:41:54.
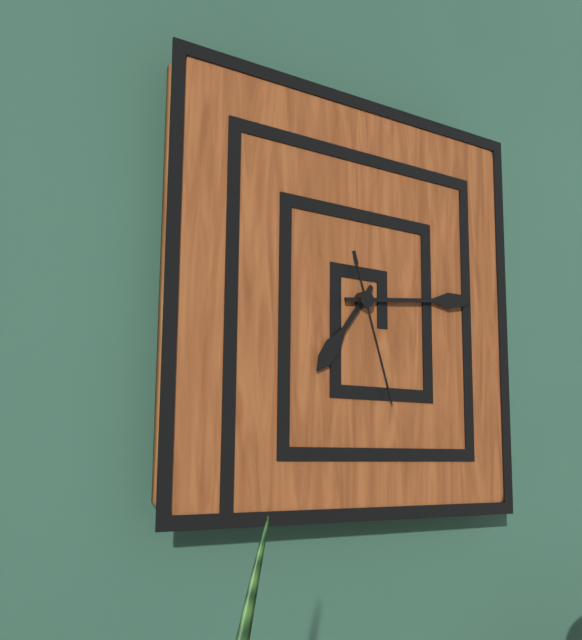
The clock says 7:14:27
